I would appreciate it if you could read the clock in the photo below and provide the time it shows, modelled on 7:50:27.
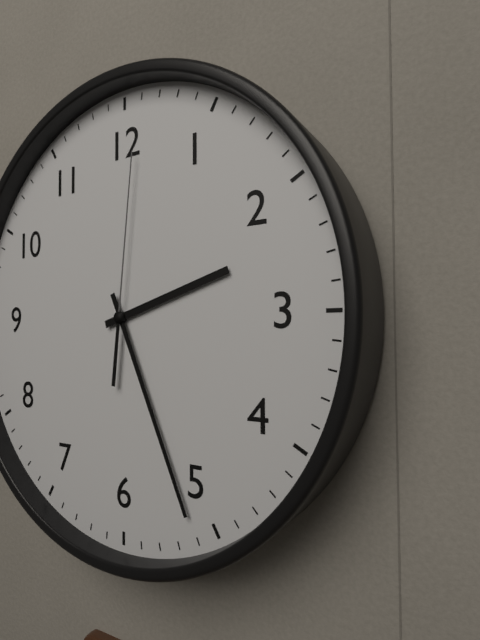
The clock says 2:26:01
